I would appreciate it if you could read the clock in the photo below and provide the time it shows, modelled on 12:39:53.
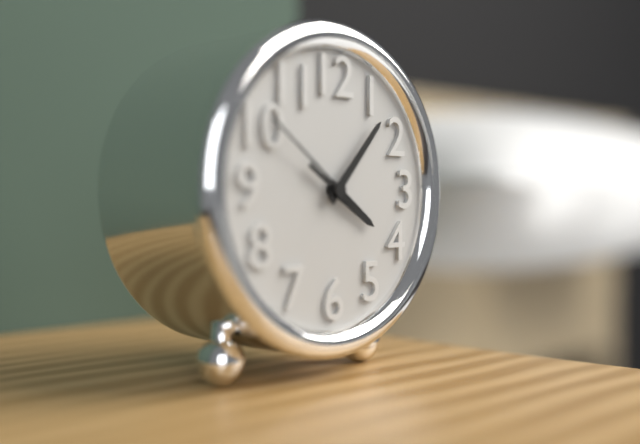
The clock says 4:07:51
